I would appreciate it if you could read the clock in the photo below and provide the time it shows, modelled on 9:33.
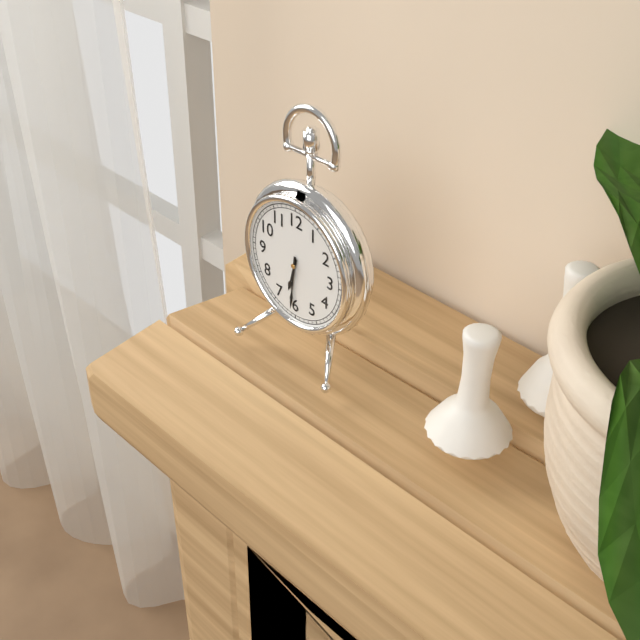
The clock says 6:31
